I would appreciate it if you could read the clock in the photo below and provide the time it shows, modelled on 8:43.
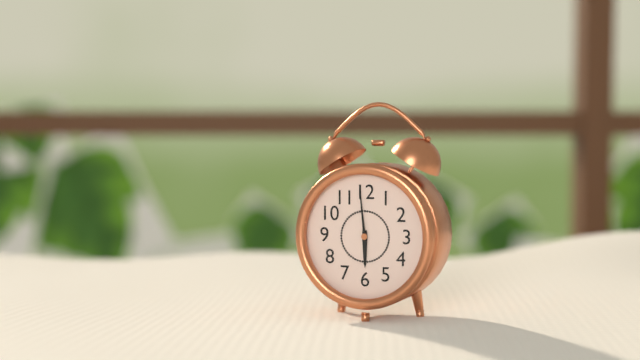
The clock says 5:59
